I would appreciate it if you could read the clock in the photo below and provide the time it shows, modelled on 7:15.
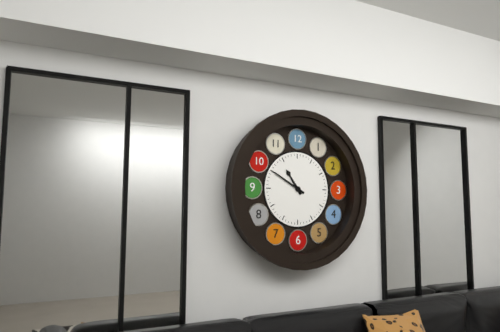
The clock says 10:50
